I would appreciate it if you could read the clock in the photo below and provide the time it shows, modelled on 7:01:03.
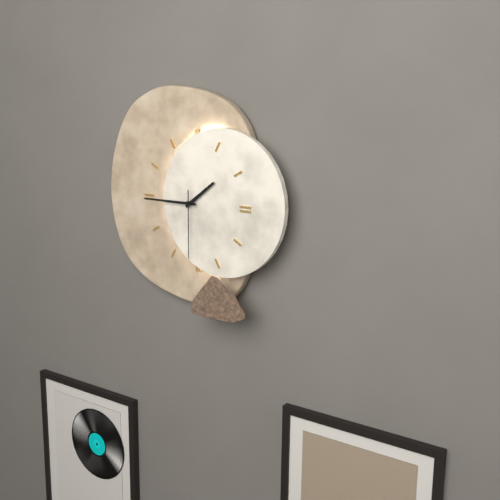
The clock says 1:45:30
